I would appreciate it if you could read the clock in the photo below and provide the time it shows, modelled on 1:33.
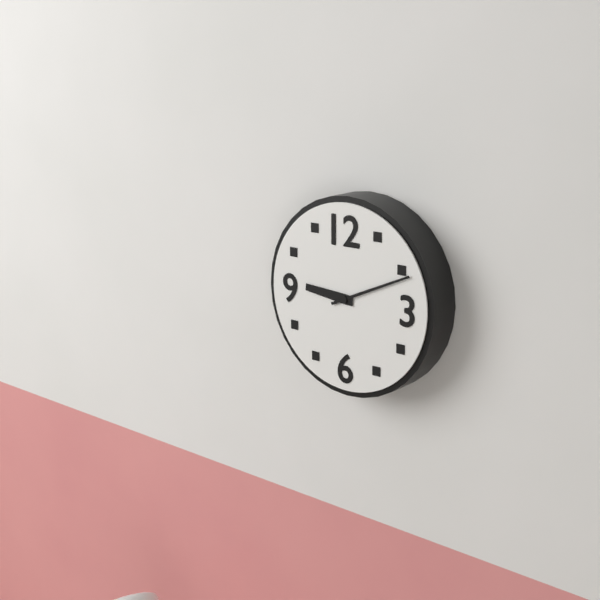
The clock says 9:11
